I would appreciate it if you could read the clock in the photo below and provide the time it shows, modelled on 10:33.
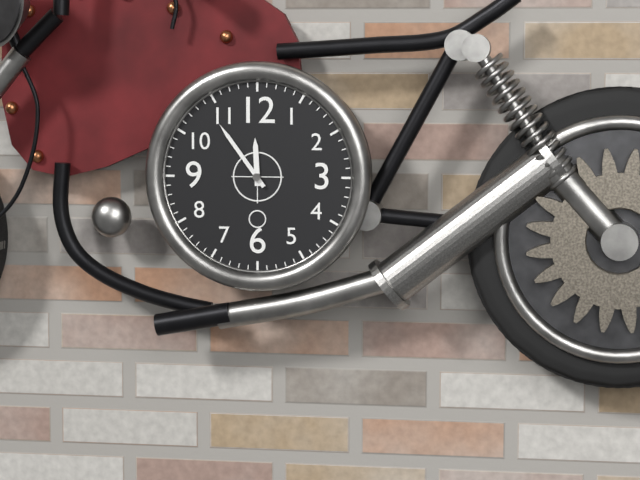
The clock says 11:54
